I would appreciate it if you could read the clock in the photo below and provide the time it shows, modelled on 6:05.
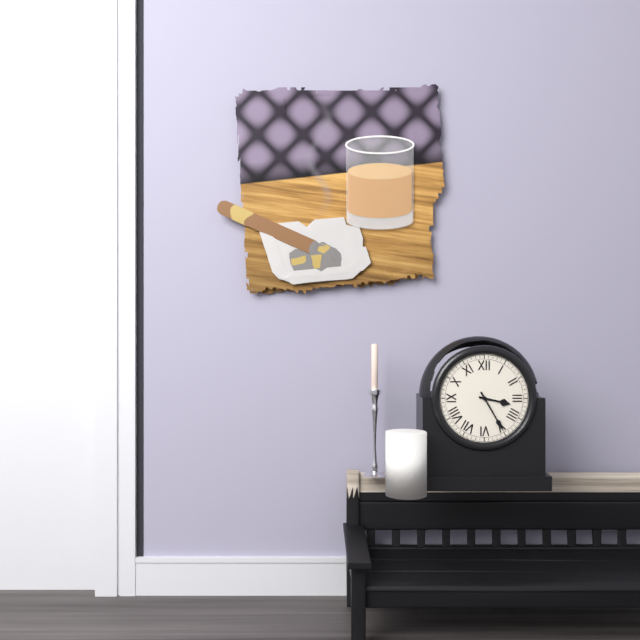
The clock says 3:25
